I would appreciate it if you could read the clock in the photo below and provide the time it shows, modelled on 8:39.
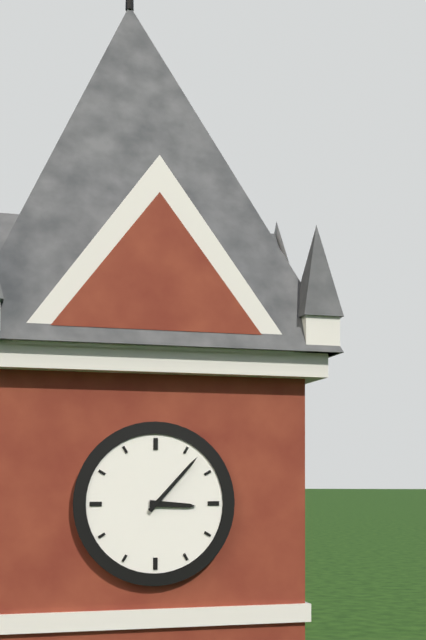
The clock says 3:07
